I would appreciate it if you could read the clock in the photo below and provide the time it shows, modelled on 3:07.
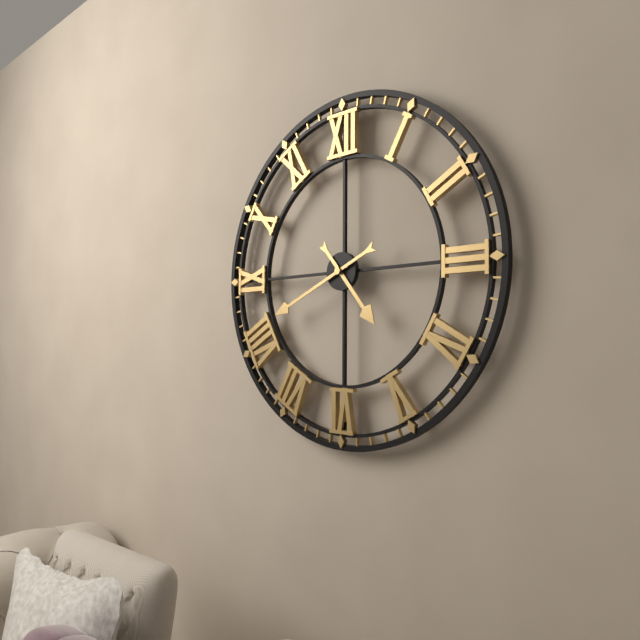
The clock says 4:41
